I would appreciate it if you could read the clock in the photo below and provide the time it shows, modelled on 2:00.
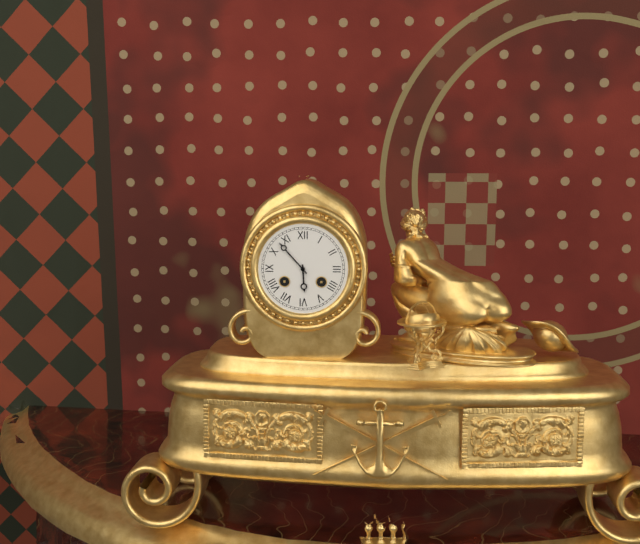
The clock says 5:53
